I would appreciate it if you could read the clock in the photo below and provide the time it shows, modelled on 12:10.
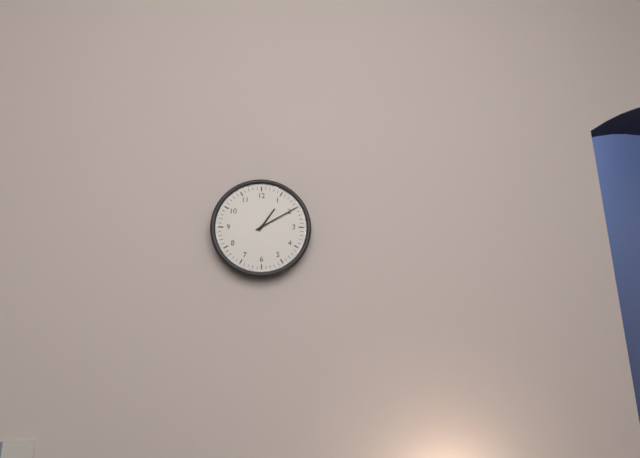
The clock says 1:10
